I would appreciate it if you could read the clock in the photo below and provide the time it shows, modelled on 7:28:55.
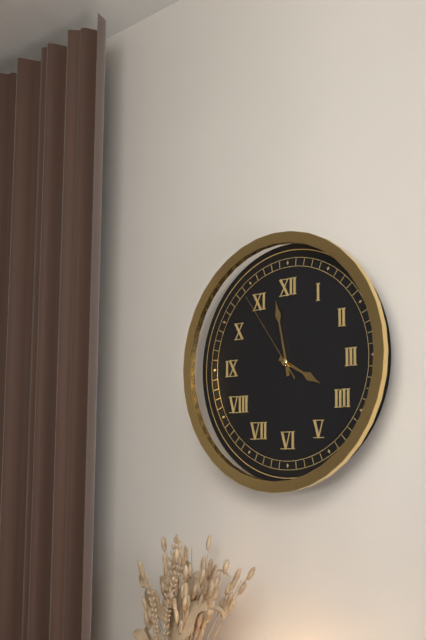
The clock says 3:58:54
